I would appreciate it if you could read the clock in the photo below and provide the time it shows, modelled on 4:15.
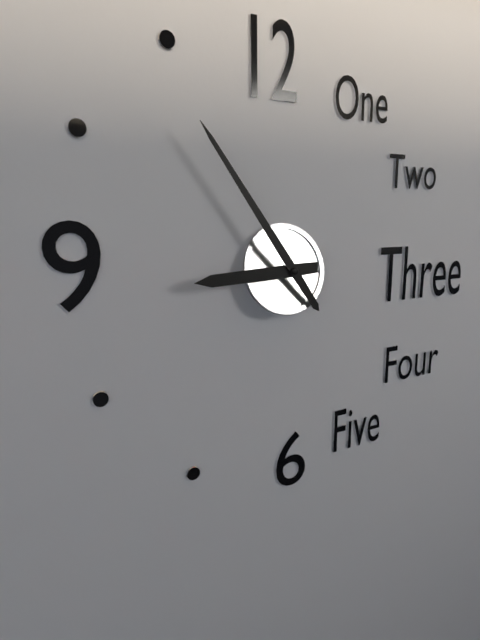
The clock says 8:54
